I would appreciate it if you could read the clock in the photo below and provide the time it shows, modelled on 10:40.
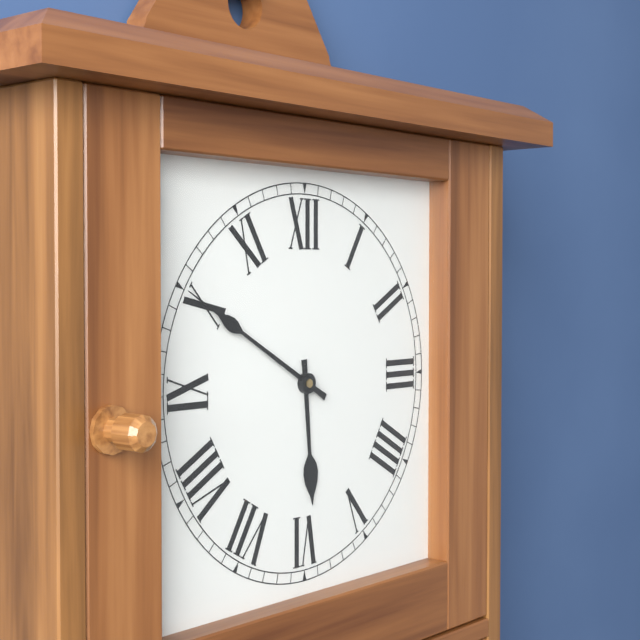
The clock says 5:50
